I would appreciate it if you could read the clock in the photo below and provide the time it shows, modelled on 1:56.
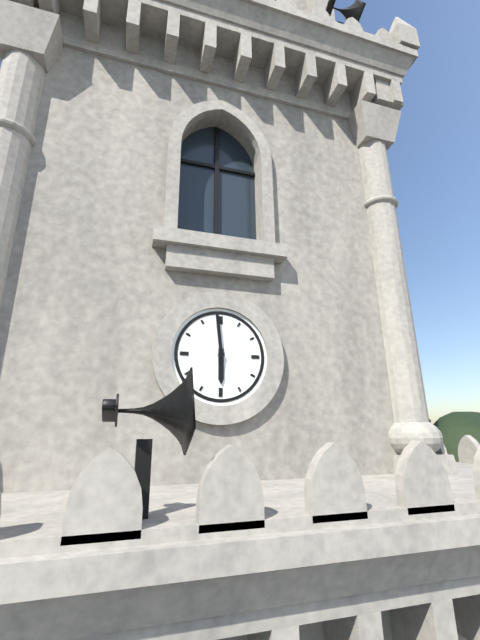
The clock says 5:59
